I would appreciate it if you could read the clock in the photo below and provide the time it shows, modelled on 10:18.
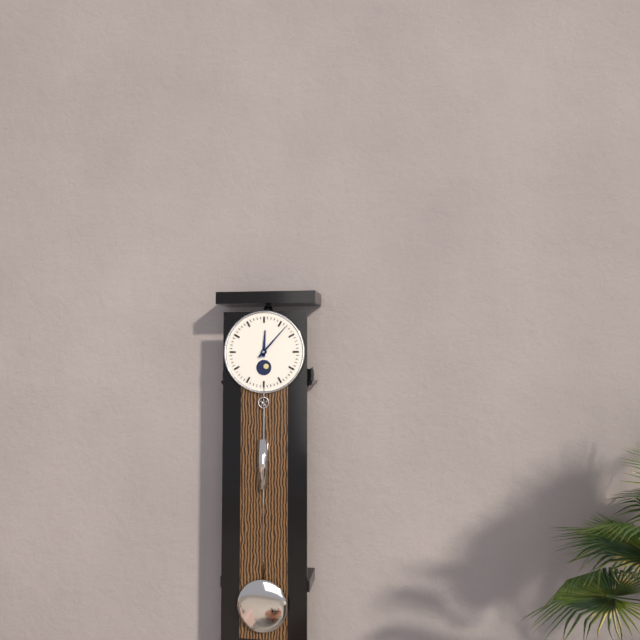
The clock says 12:07
